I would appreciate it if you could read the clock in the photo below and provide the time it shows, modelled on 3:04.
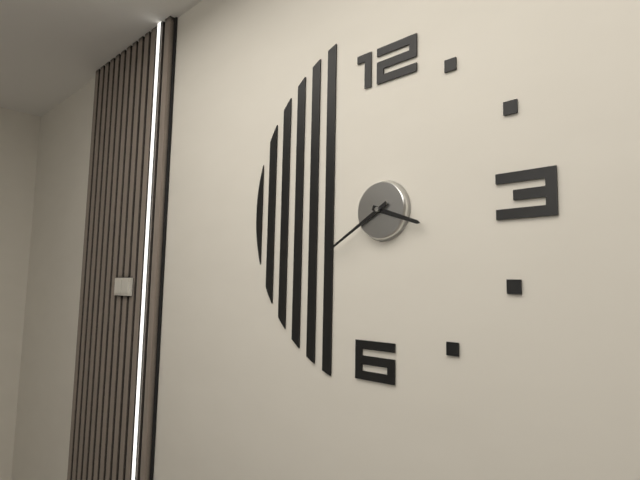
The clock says 3:40
